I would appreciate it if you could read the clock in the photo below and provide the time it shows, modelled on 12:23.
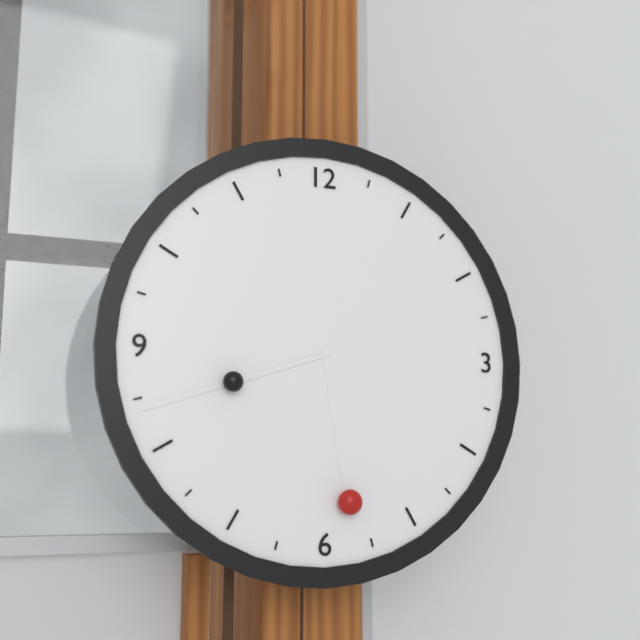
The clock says 5:42
